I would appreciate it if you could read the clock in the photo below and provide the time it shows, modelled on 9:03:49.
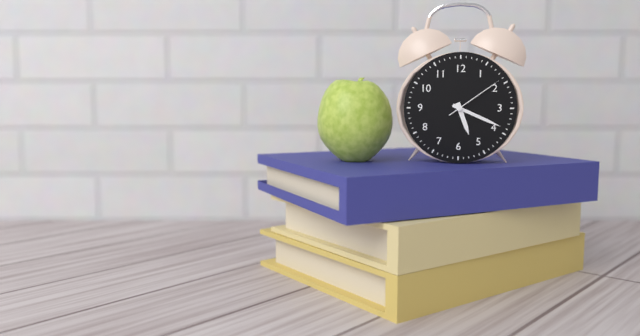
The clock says 5:19:09
